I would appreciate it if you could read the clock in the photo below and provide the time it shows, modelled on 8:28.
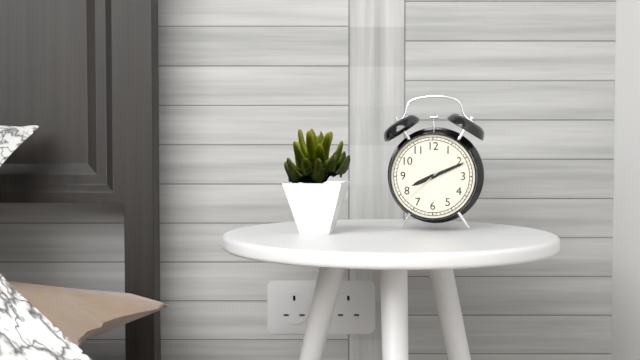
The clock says 8:11
